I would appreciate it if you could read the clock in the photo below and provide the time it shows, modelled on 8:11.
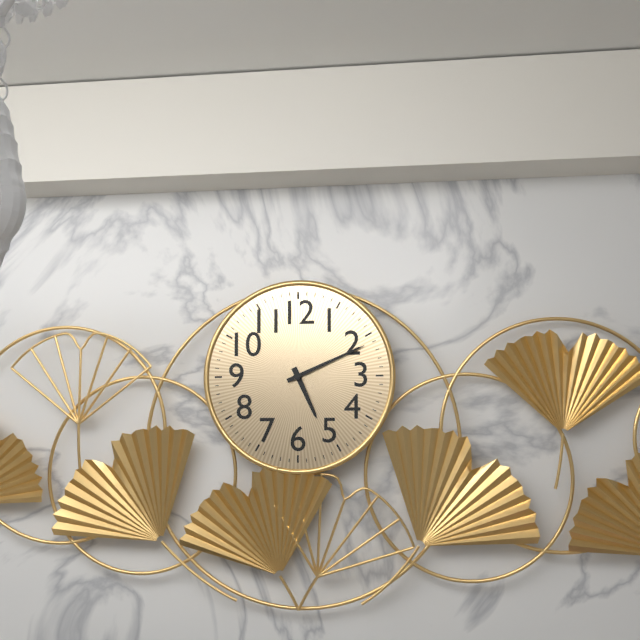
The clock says 5:11
